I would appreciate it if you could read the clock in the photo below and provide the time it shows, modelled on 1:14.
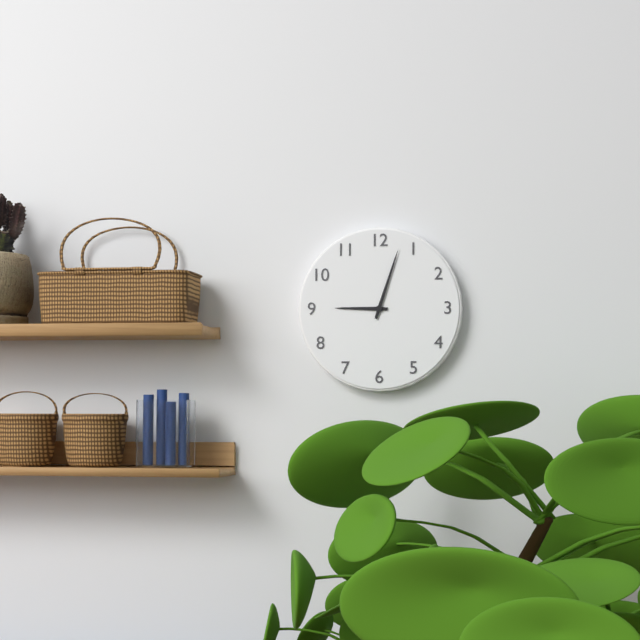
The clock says 9:03
